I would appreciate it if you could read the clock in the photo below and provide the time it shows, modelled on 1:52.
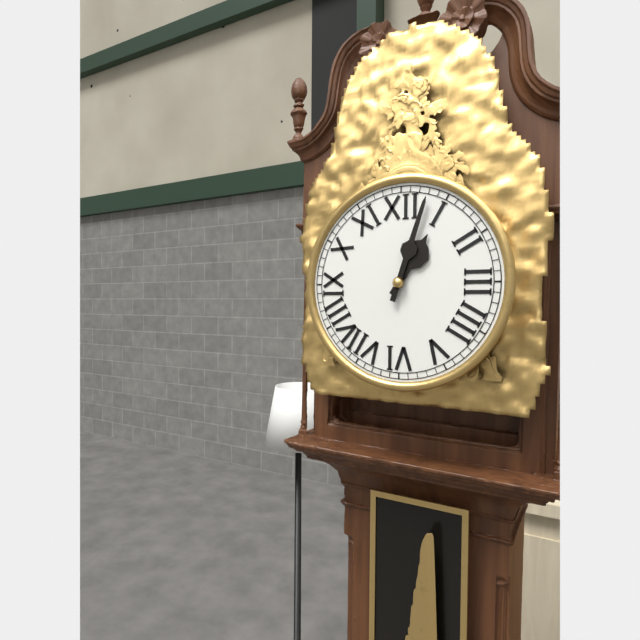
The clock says 1:03
